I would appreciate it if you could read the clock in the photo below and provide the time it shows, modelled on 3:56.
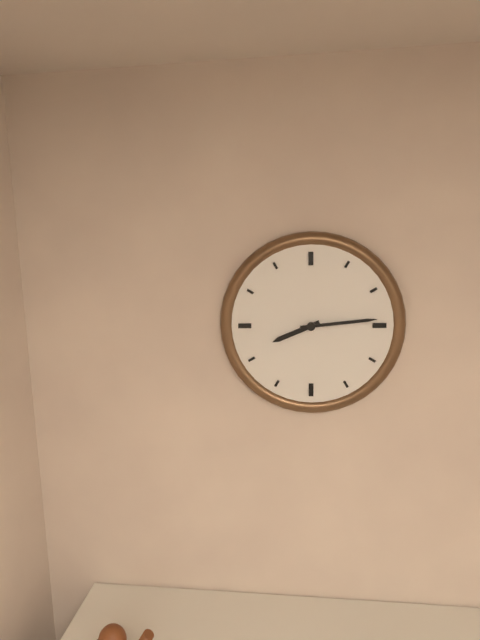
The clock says 8:14
